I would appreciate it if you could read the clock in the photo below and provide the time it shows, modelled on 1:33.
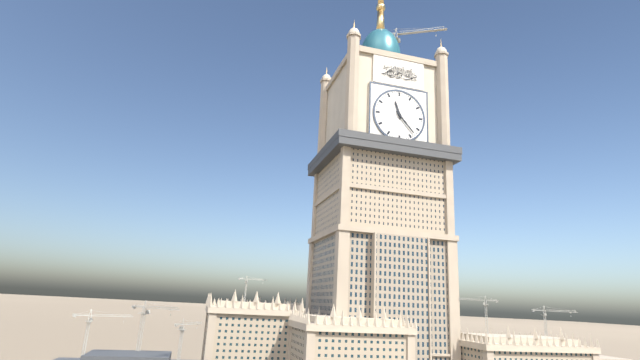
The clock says 11:23
